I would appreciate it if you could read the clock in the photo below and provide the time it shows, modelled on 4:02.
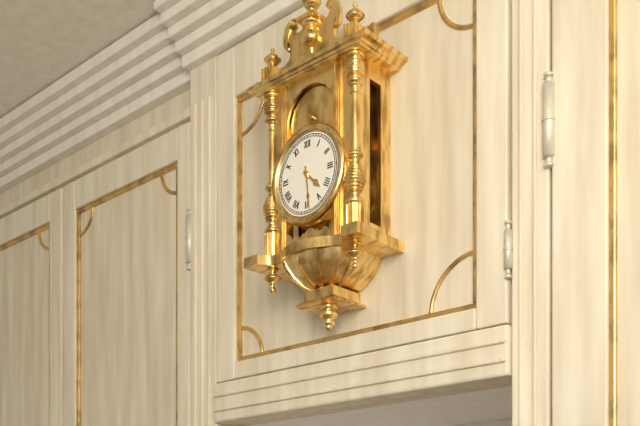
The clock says 4:29
